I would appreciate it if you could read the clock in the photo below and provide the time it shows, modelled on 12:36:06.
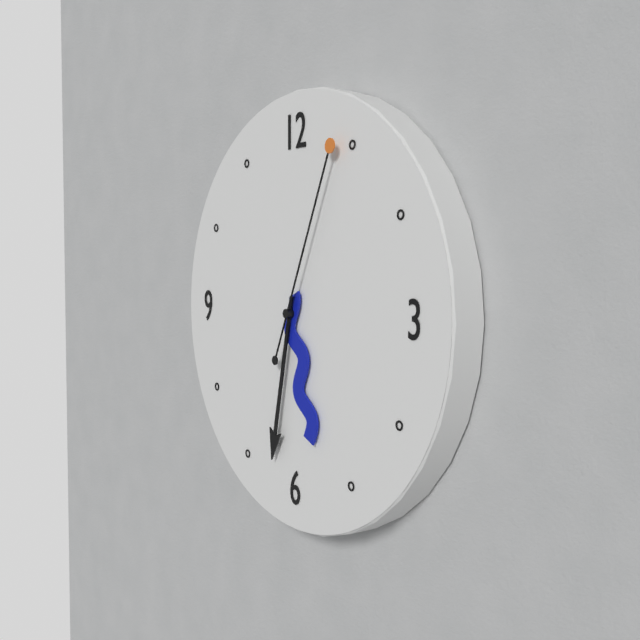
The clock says 5:32:04
